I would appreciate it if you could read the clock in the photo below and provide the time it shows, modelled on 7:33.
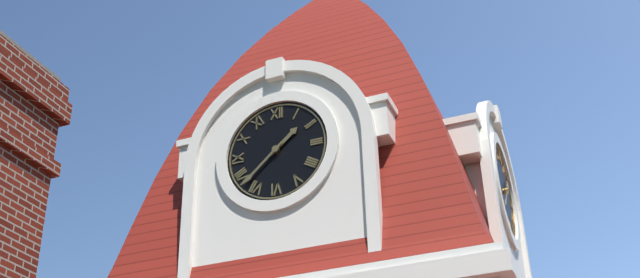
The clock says 1:38
